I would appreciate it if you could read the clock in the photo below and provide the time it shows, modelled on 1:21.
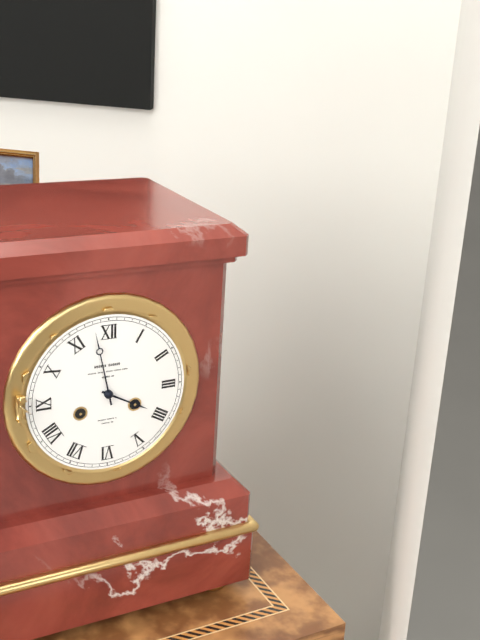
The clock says 3:58
